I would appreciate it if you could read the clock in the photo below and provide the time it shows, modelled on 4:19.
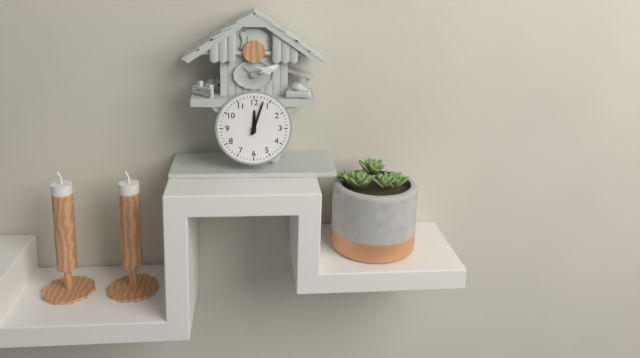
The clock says 12:03
